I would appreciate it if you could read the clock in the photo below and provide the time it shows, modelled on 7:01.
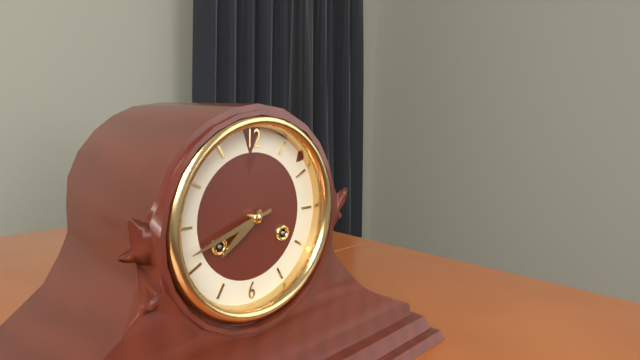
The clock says 7:42
